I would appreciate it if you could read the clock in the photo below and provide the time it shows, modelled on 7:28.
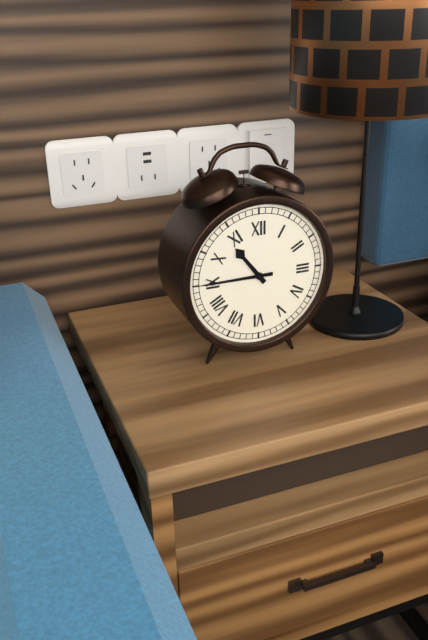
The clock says 10:45
